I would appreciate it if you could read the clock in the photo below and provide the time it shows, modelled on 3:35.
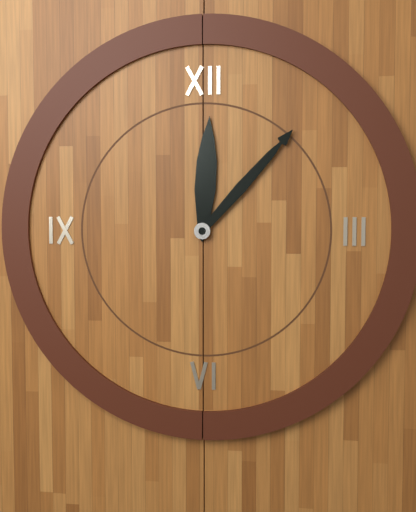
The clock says 12:07
